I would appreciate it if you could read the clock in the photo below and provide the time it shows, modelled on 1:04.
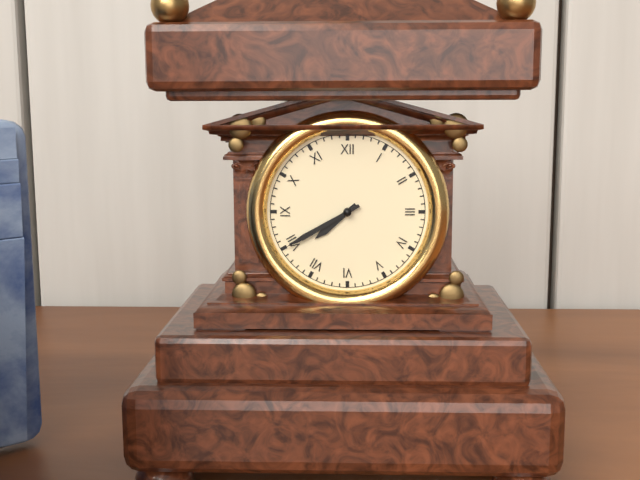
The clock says 7:40
